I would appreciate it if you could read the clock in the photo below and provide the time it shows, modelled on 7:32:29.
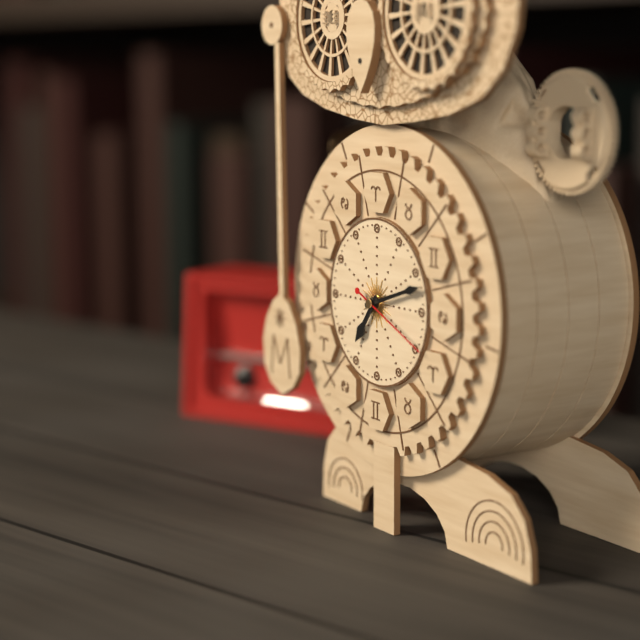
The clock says 7:12:19
